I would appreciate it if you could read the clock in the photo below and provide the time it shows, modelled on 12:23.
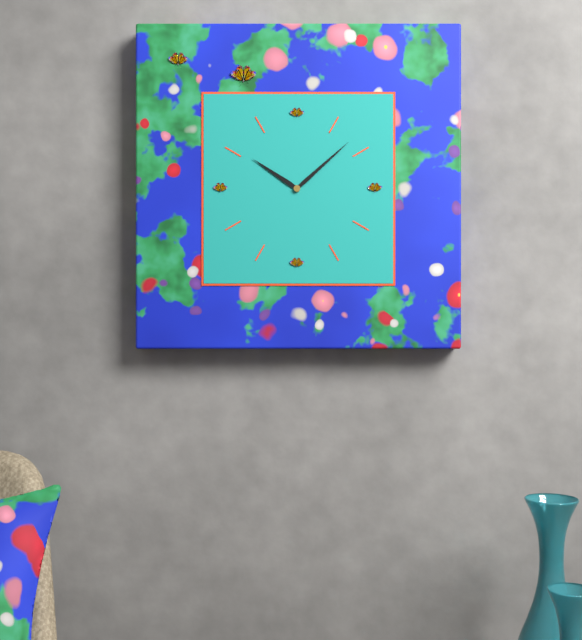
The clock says 10:08
